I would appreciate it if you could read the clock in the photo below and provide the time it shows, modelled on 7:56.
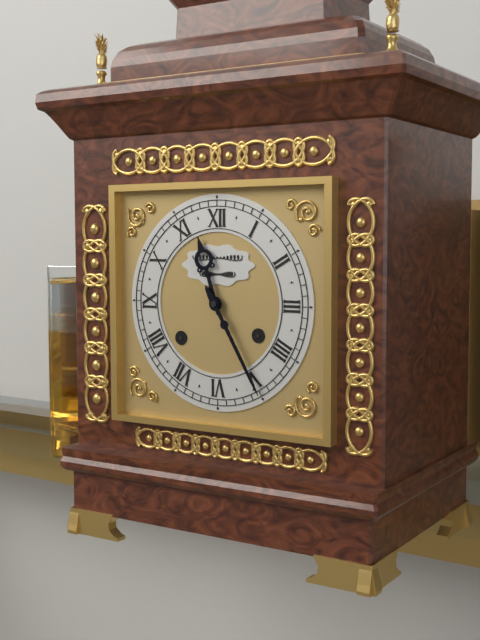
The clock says 11:25
